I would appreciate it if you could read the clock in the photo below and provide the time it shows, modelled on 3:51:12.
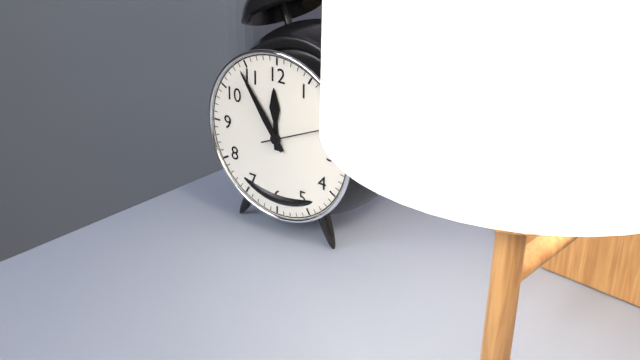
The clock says 11:54:11
